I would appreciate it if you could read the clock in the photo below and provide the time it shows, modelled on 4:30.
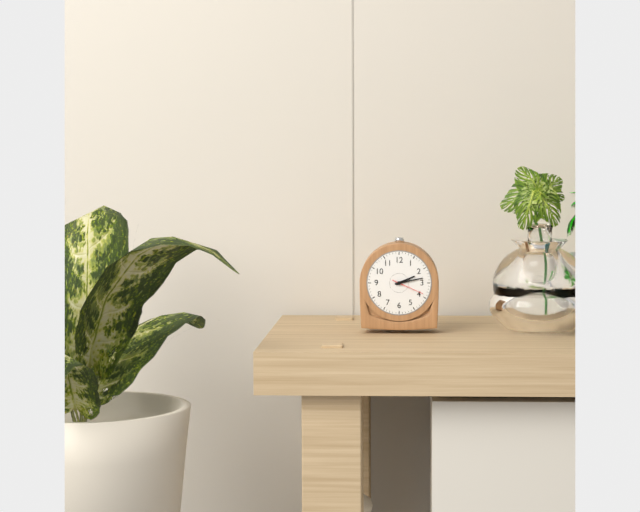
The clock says 2:13
